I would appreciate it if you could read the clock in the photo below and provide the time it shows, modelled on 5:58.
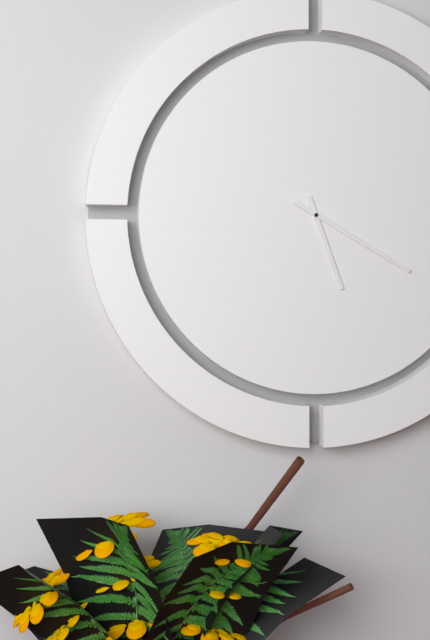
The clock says 5:20
